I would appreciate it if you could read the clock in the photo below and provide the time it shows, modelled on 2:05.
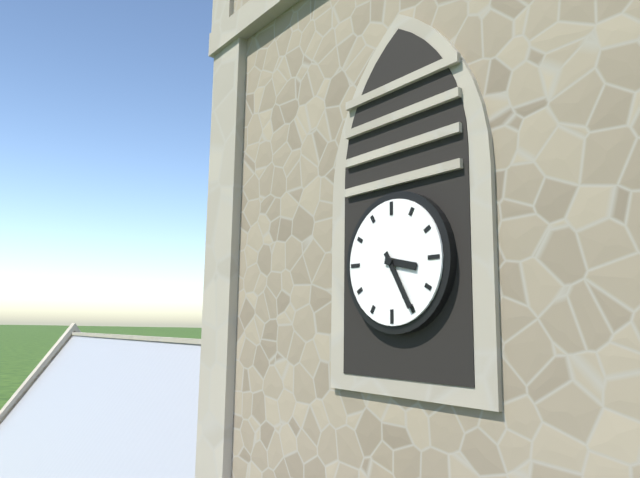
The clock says 3:25
